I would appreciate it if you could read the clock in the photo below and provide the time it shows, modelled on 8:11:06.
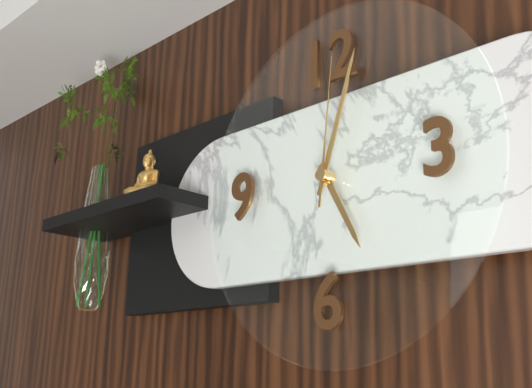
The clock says 5:03:01
